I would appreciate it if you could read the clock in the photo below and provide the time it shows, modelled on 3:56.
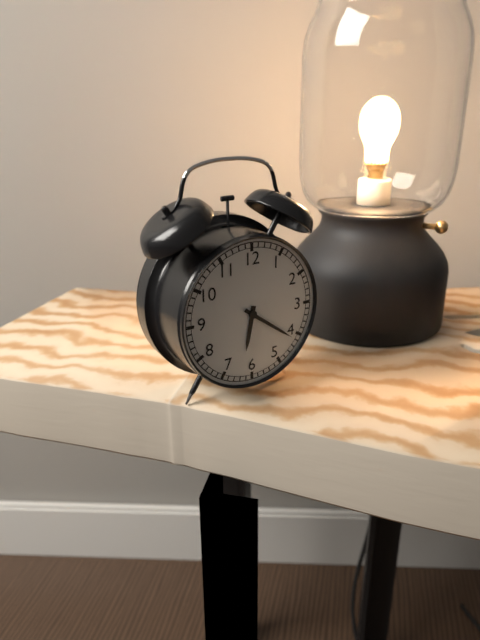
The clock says 6:21
